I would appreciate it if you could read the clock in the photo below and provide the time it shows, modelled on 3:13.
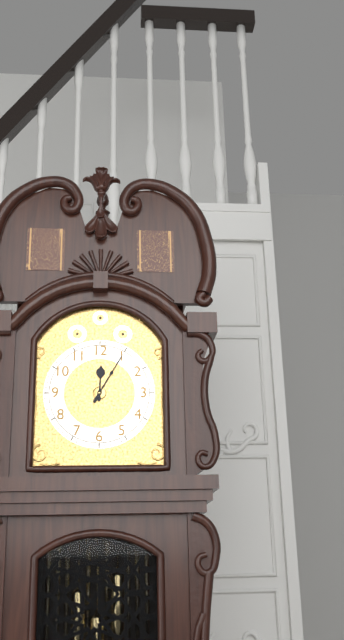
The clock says 12:05
